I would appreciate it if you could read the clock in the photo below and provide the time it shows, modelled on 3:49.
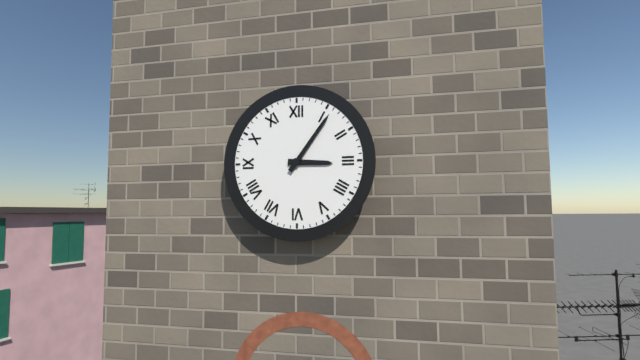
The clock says 3:06
